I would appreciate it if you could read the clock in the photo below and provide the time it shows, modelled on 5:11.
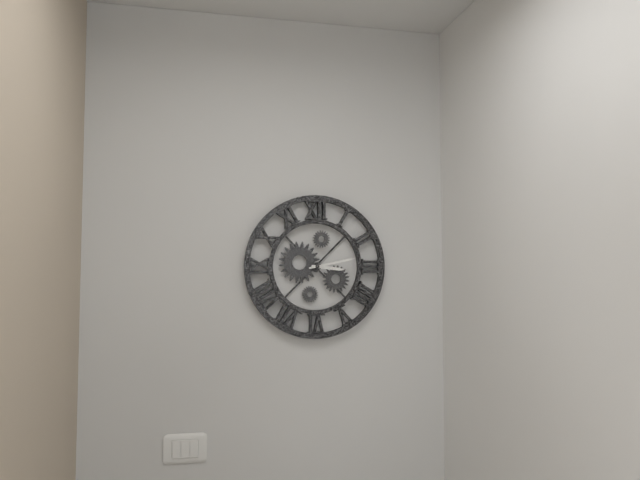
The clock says 3:13
